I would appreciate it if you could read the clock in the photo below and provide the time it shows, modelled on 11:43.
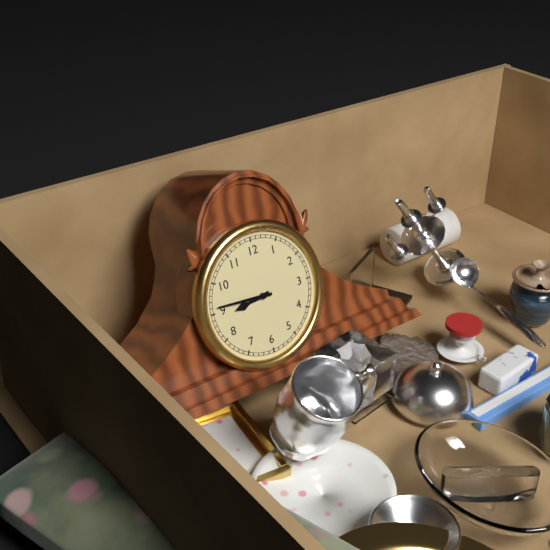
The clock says 8:46
